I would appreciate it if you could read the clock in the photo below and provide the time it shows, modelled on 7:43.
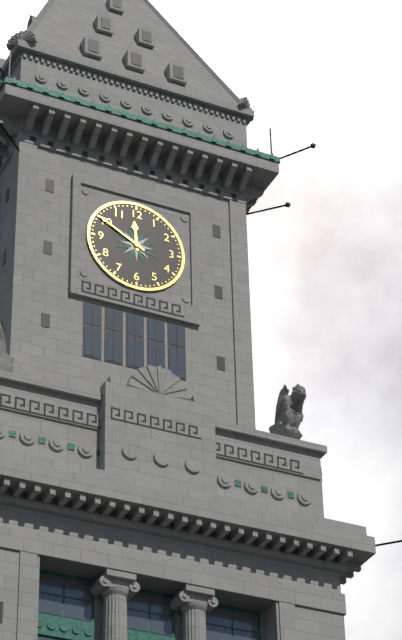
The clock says 11:50
